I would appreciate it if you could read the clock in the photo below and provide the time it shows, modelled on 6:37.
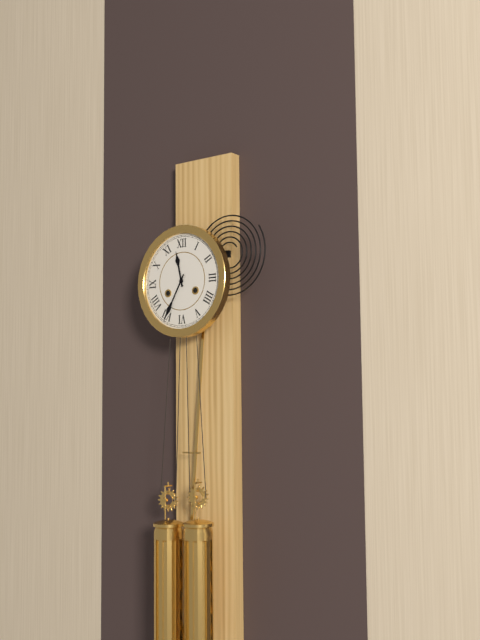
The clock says 11:35
